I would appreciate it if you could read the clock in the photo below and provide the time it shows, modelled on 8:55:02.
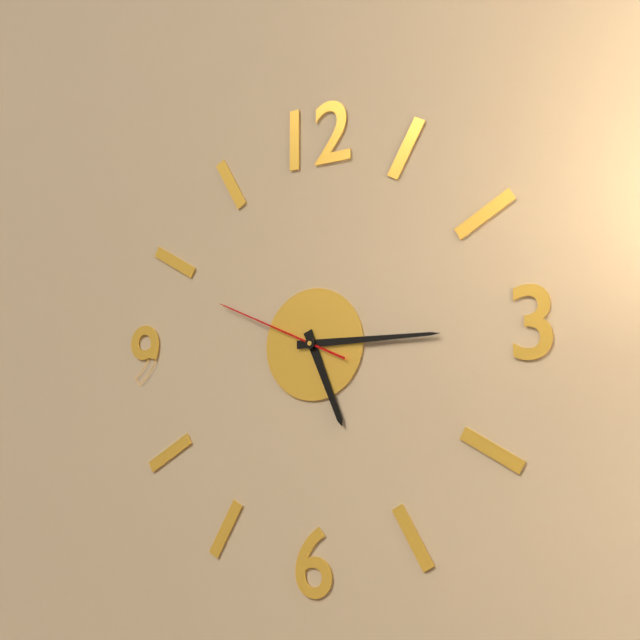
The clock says 5:15:49
